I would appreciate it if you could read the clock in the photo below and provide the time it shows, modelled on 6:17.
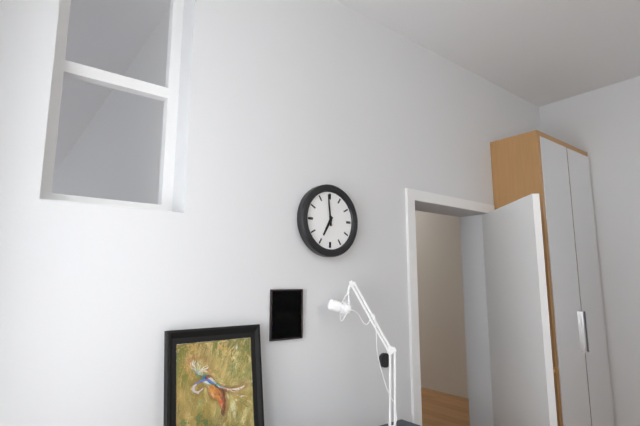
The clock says 6:59
